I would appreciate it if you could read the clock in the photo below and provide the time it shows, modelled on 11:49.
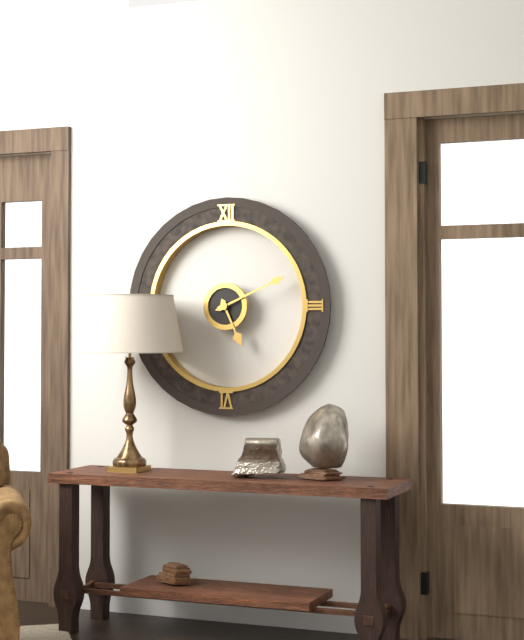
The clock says 5:11
